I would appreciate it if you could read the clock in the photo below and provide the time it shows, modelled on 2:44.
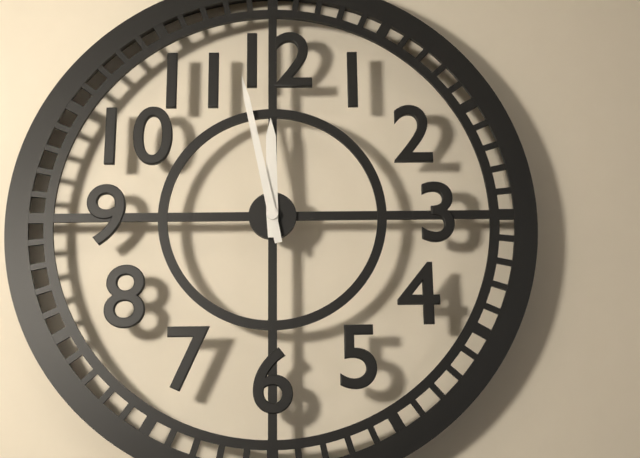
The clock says 11:58
